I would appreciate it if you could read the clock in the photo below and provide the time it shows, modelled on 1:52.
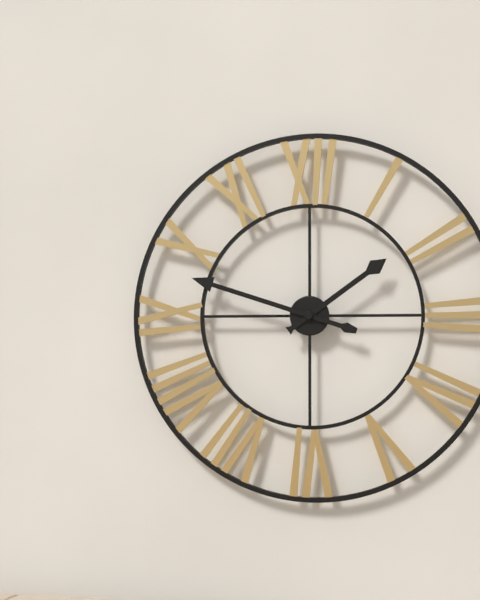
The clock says 1:48
